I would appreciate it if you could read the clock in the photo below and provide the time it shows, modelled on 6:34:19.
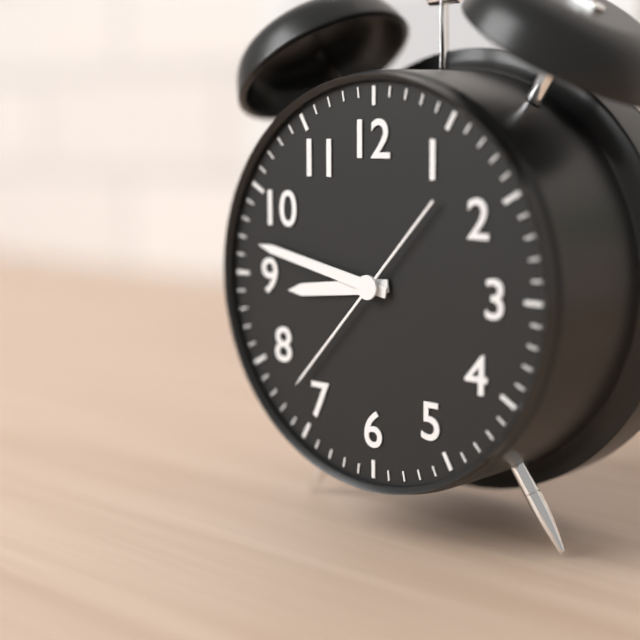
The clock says 8:47:37
